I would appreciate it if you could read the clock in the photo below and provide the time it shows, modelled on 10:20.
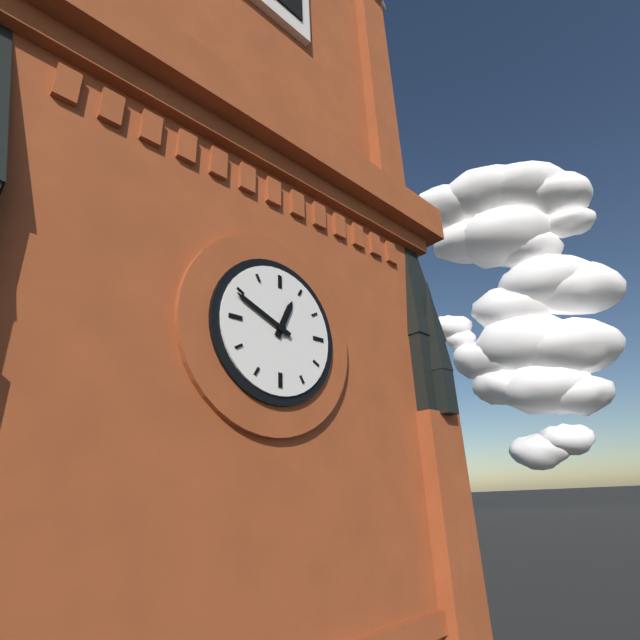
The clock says 12:49
